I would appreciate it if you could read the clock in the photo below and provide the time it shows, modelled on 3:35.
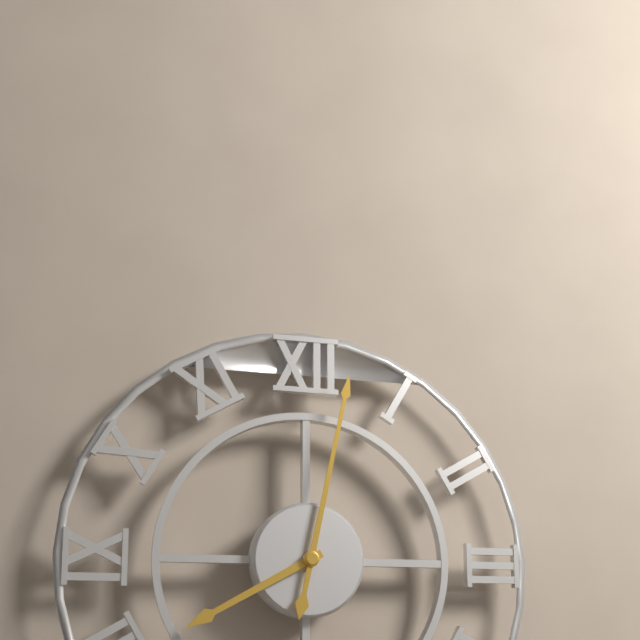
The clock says 8:02
